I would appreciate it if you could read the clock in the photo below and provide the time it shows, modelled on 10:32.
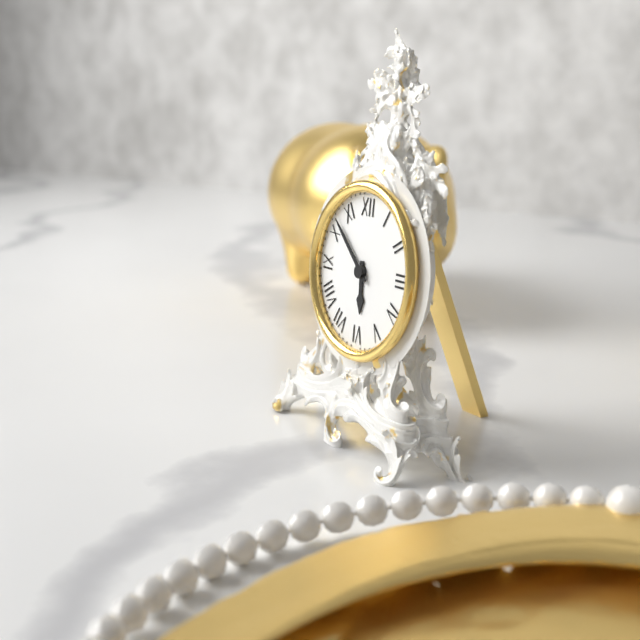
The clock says 5:52
